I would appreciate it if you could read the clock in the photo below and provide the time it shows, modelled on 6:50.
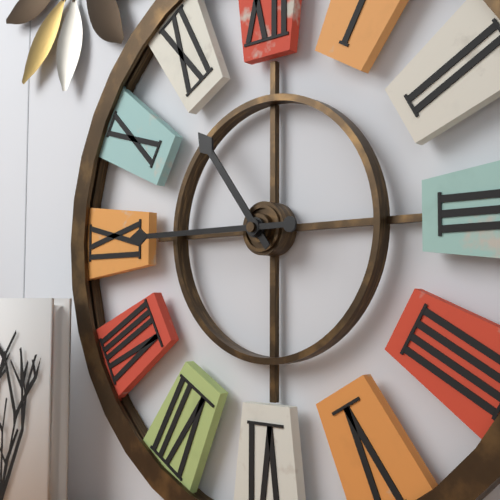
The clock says 10:45
